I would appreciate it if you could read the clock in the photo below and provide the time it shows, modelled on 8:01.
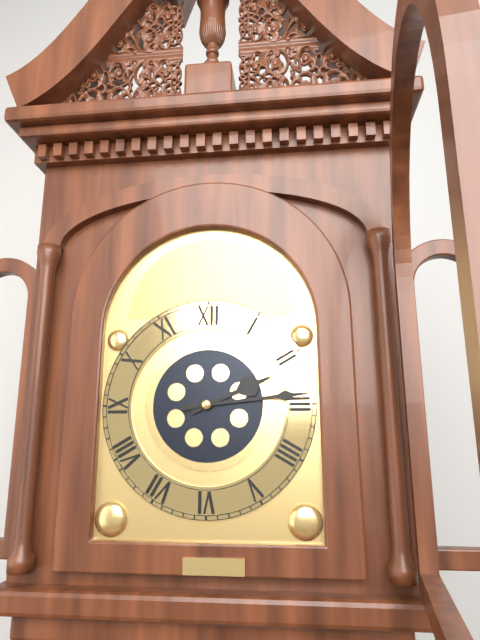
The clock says 2:14
